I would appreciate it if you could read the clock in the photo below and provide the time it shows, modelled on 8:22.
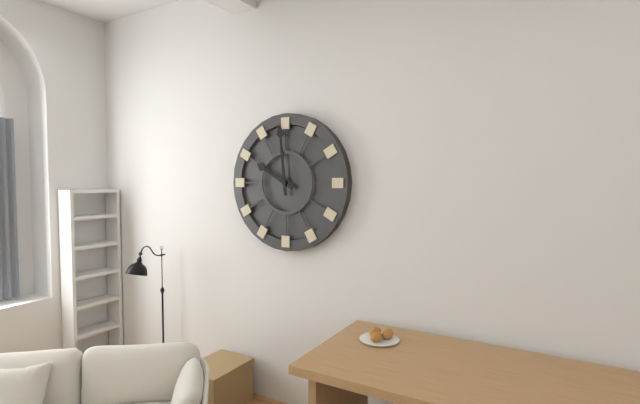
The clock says 9:59
